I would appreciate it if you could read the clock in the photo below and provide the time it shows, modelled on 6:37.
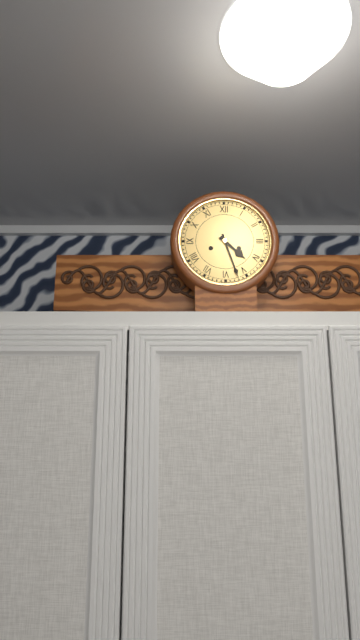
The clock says 4:27
